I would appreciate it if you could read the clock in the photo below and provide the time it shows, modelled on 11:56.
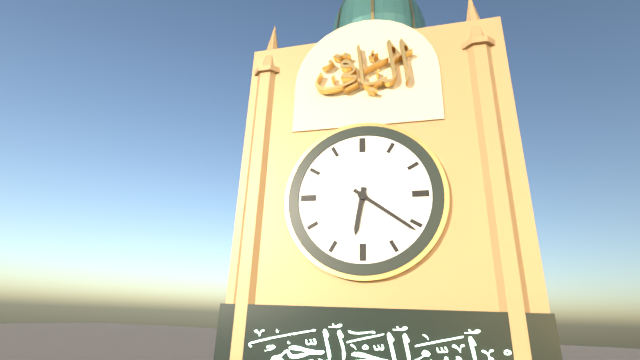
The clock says 6:21
